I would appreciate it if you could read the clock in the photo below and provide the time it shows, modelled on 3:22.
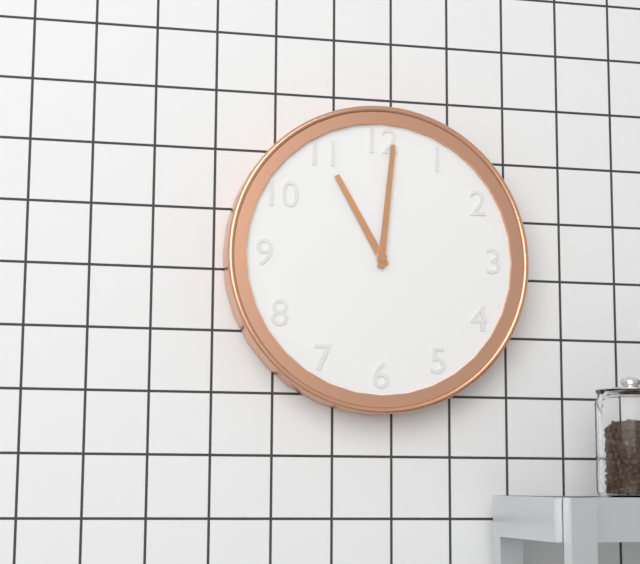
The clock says 11:01
